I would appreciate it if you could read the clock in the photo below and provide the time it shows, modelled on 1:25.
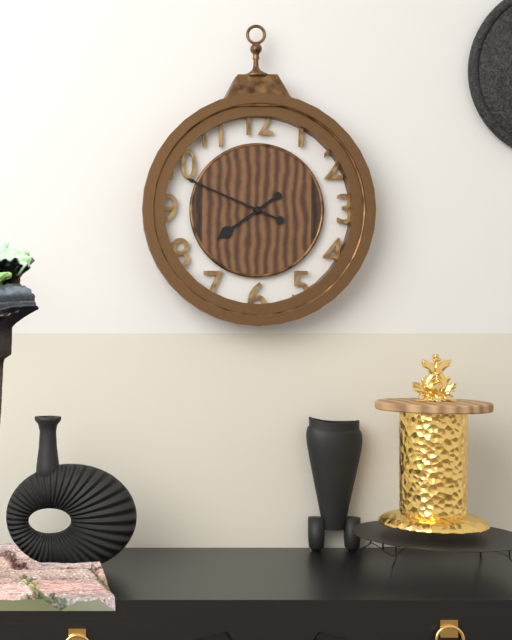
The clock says 7:49
